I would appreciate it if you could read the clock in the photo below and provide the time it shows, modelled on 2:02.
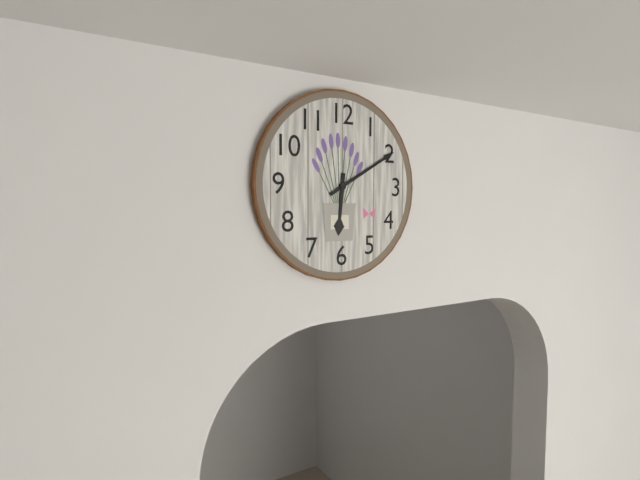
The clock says 6:10
